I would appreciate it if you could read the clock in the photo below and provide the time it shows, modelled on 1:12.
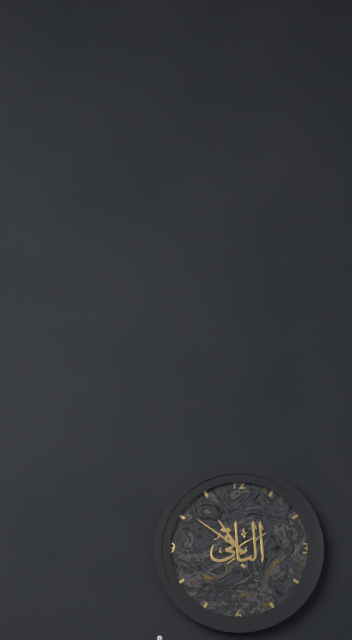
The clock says 10:51
